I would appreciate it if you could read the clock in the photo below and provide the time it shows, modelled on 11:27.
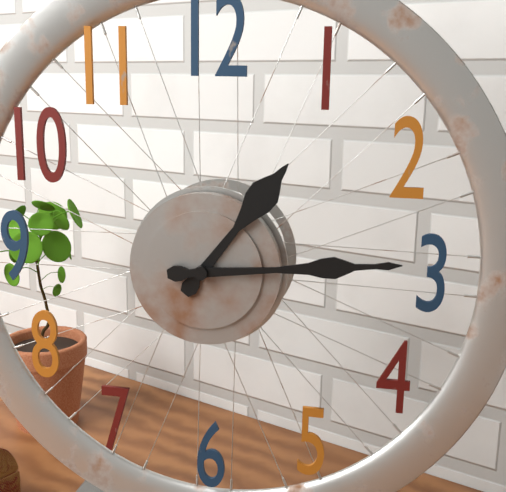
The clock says 1:14
